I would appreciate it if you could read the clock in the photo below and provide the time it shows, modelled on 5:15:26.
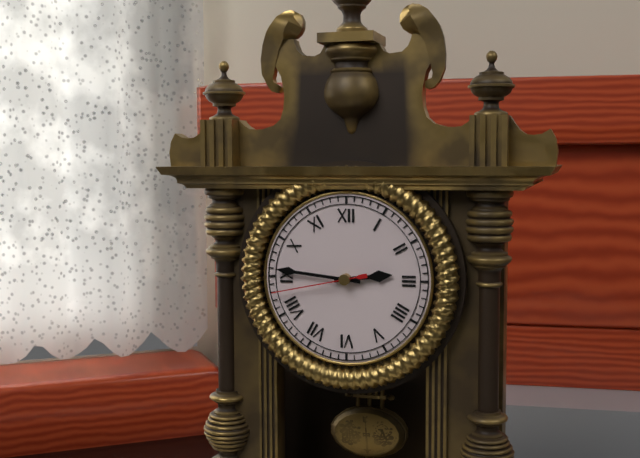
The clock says 2:46:43
